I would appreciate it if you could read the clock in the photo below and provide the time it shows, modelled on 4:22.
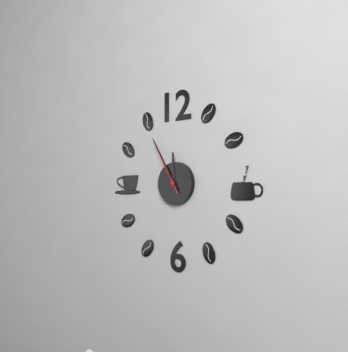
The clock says 11:55
